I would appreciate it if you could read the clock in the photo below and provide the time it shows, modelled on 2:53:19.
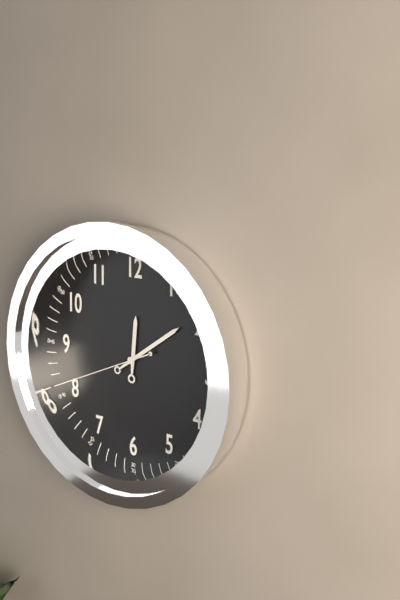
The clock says 12:09:41
